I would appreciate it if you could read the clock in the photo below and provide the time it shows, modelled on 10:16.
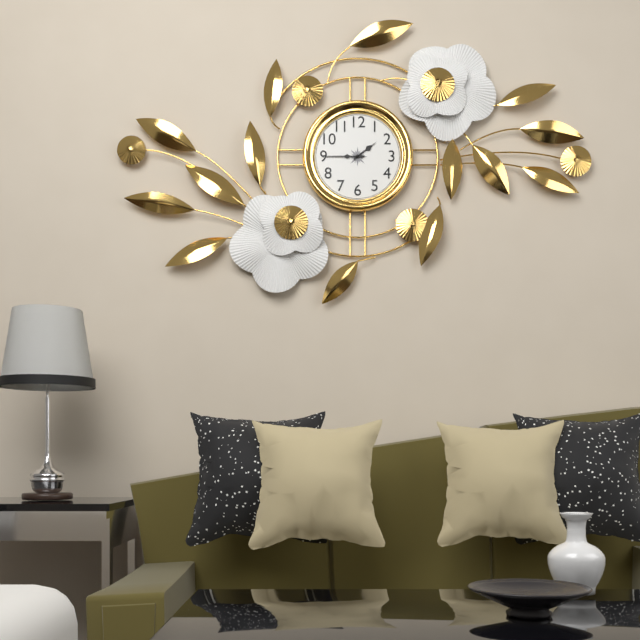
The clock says 1:45
